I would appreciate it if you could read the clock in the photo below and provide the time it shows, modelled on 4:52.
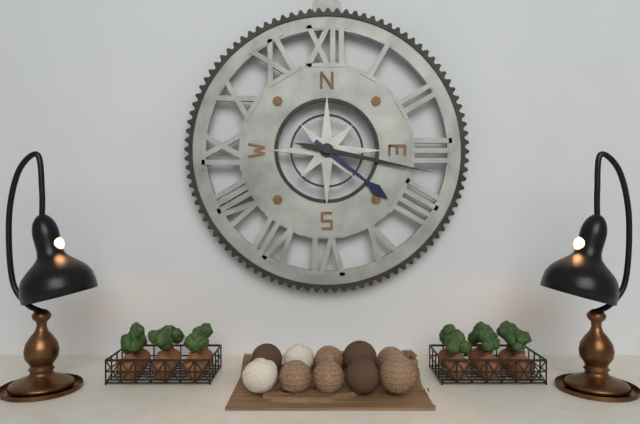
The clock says 4:17
